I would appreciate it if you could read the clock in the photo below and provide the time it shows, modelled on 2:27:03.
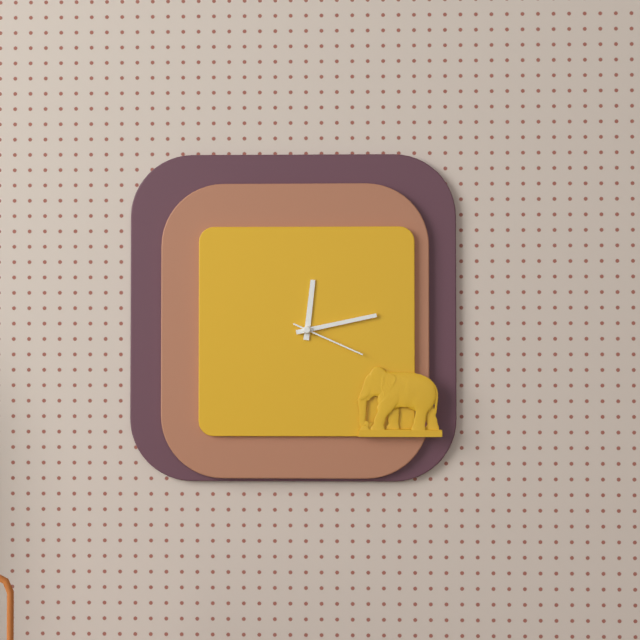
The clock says 12:13:19
